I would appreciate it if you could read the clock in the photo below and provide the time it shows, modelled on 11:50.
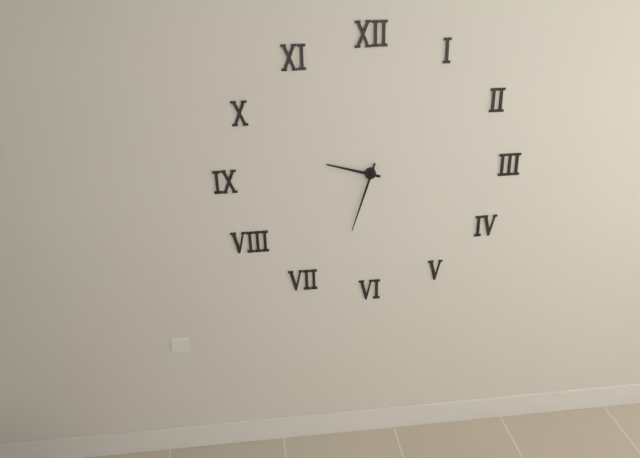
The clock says 9:33
